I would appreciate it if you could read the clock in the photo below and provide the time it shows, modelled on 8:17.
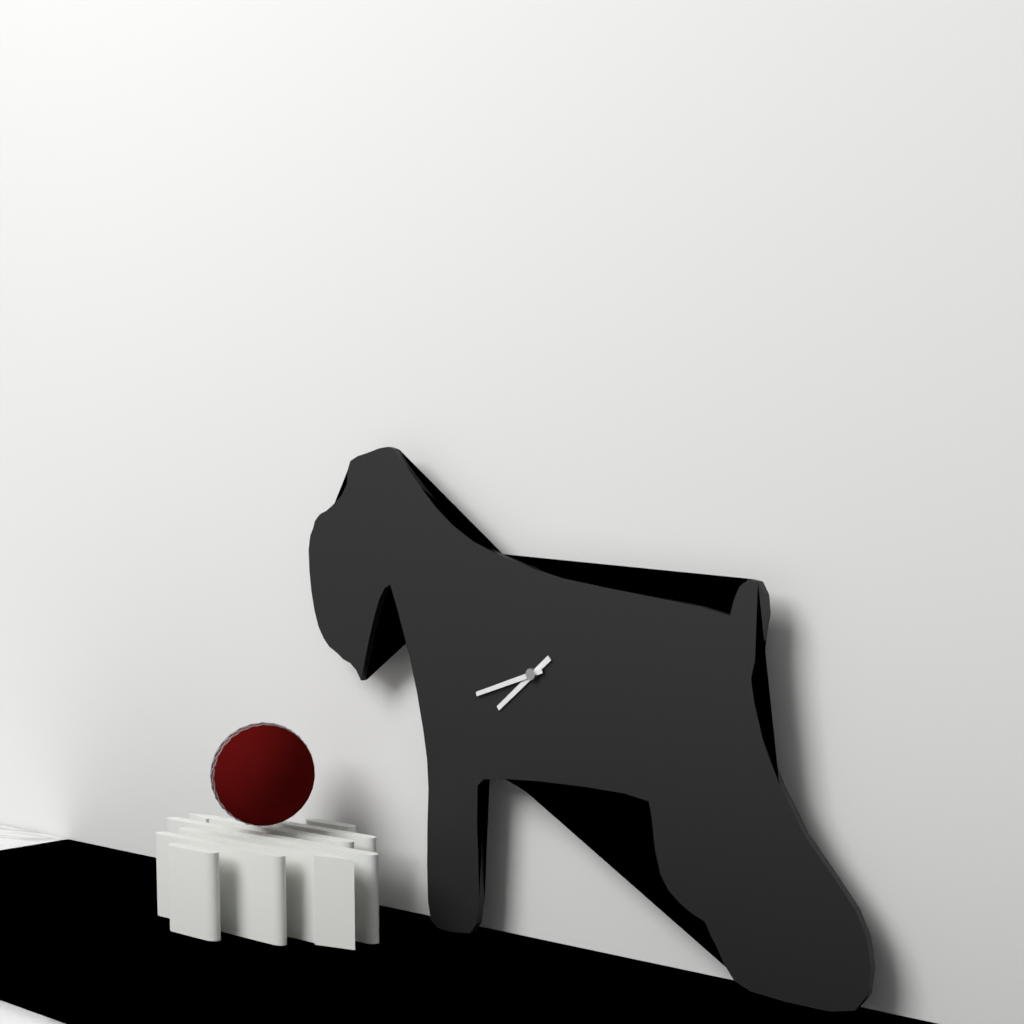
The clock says 7:42
